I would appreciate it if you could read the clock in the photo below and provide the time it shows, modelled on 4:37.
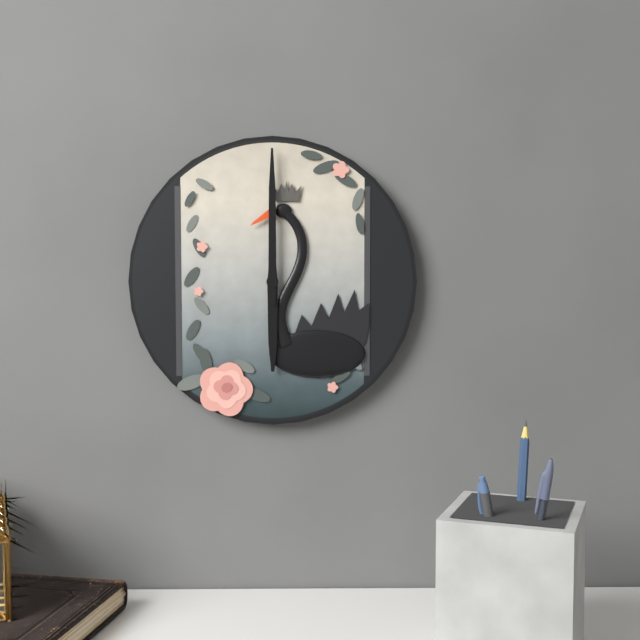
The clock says 6:00
